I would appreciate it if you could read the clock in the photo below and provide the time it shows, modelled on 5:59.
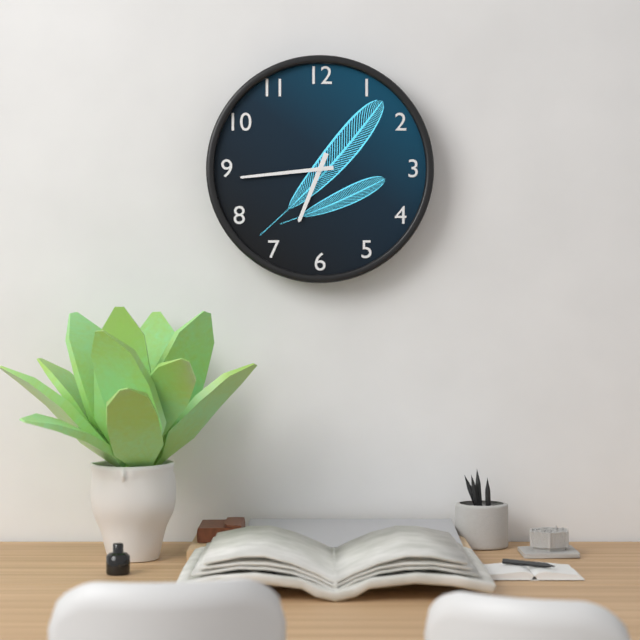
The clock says 6:44
